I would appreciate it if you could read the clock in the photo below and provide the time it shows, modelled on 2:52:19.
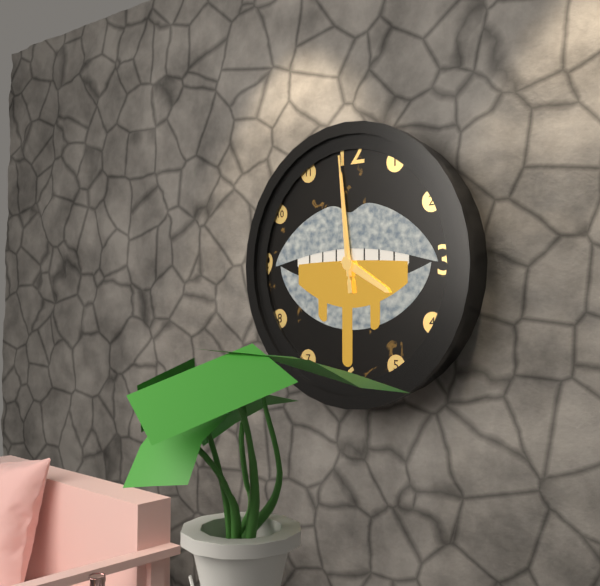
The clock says 3:59:59
